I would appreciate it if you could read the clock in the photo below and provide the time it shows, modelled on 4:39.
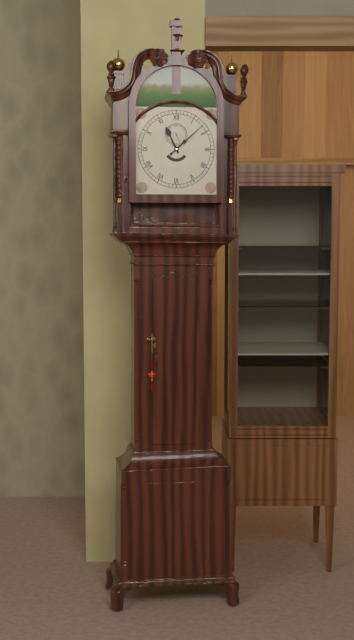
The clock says 11:08
